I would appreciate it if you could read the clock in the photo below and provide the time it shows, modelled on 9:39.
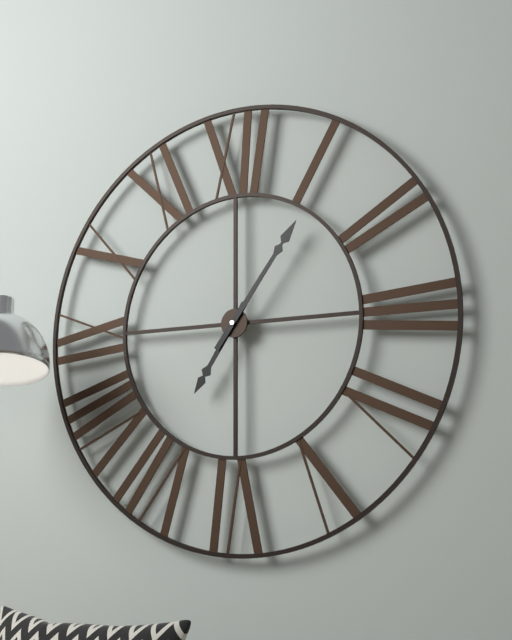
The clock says 7:06
